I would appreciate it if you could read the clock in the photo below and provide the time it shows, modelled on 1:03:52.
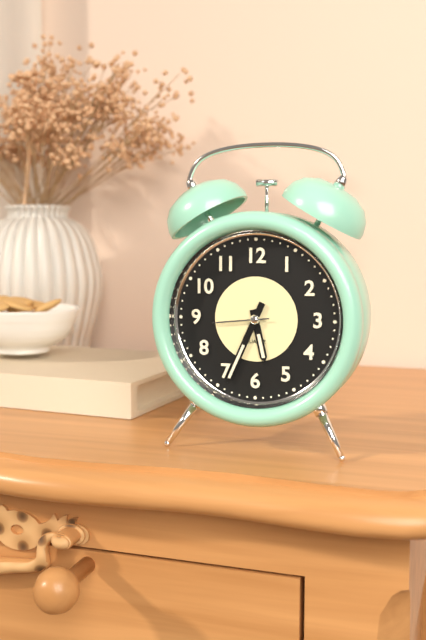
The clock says 5:34:44
